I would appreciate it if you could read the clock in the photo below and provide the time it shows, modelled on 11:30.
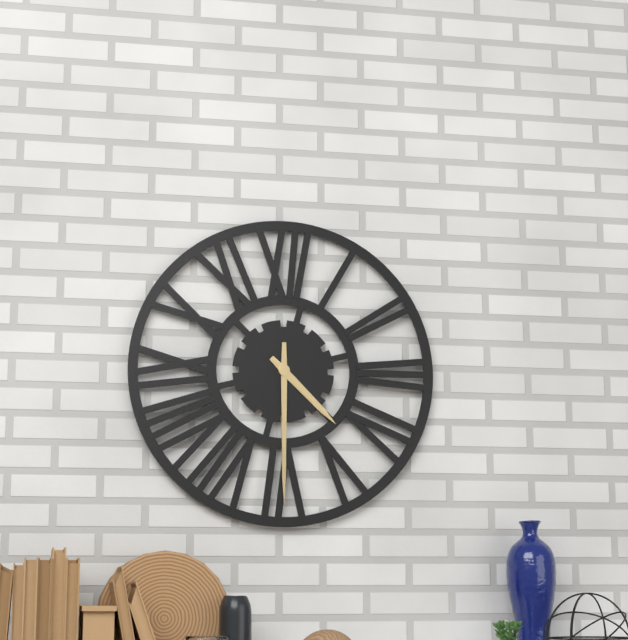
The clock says 4:30
